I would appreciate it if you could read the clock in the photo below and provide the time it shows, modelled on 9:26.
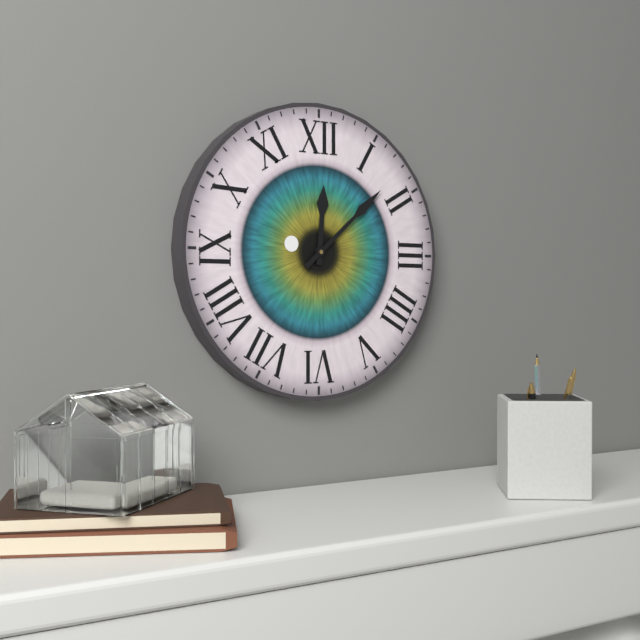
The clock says 12:08
